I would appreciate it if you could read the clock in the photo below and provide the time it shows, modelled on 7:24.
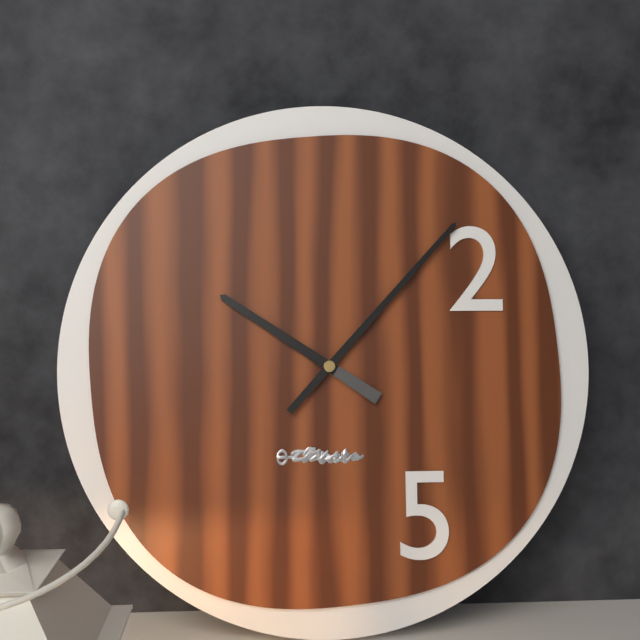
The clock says 10:07
